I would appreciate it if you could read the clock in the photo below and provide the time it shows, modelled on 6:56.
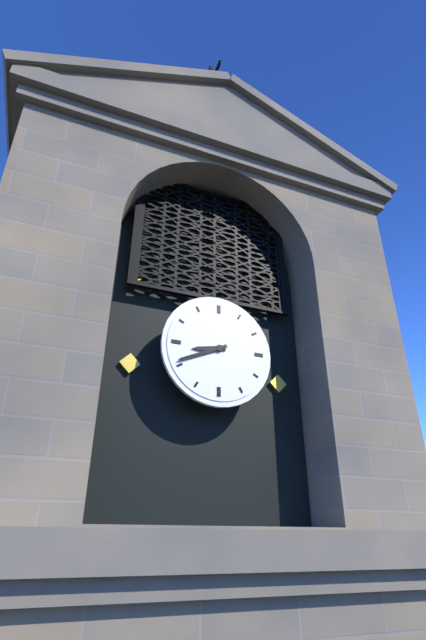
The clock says 8:41
